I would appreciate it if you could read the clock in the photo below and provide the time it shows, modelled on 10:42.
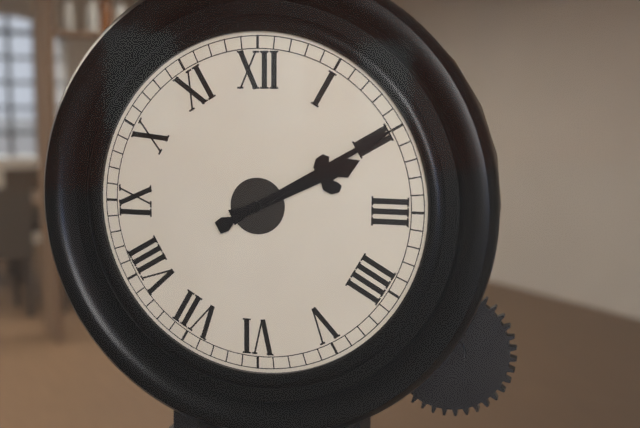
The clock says 2:10
